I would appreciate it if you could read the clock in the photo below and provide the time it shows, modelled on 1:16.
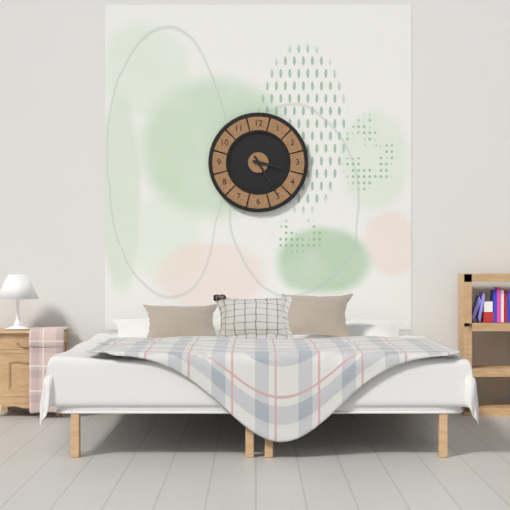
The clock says 3:25
